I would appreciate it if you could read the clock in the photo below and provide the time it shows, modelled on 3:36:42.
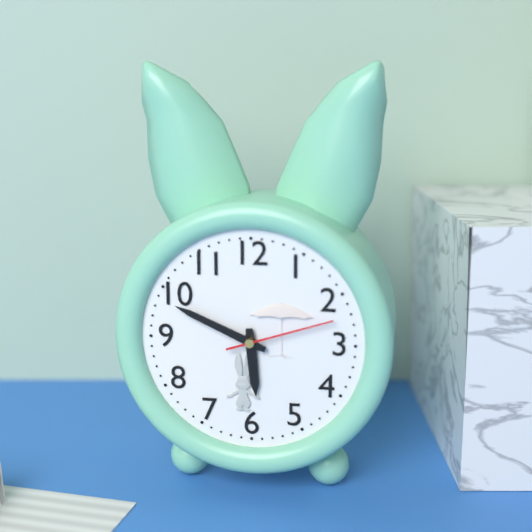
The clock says 5:49:12
